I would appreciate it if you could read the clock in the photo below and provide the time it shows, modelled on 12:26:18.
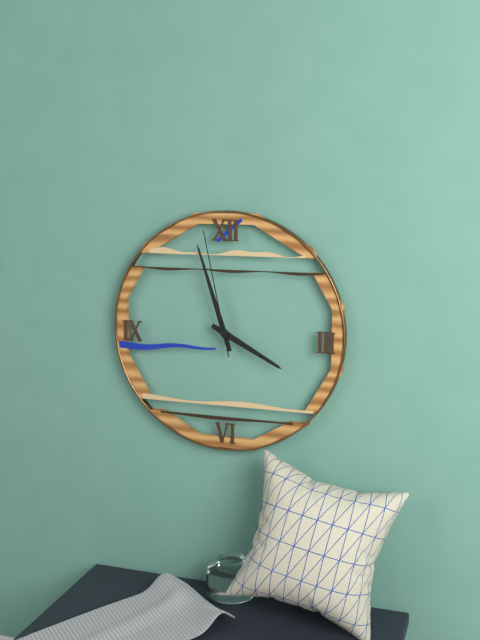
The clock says 3:57:58
